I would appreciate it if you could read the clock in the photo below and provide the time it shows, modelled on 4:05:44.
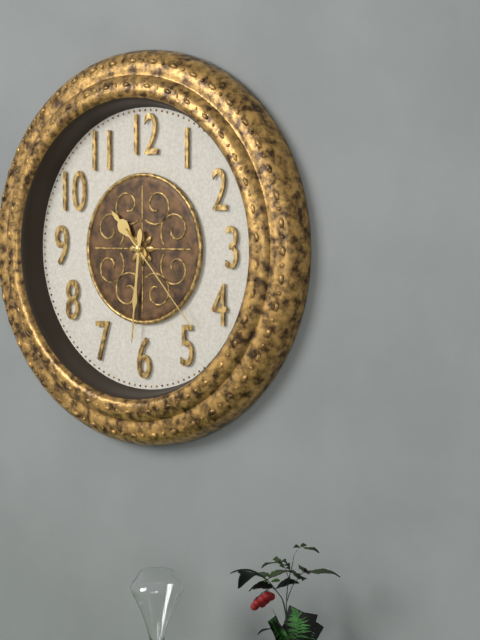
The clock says 10:31:23
